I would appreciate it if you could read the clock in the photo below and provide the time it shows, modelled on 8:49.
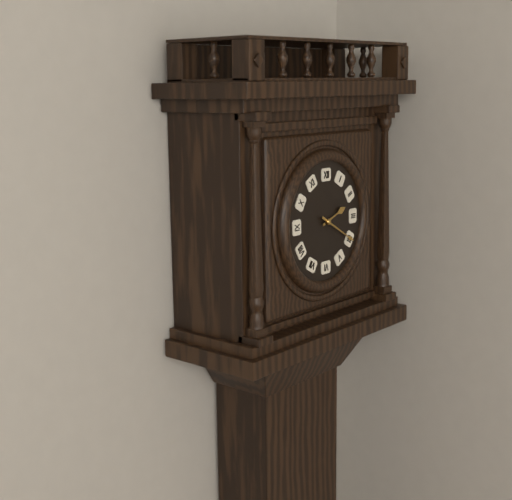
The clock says 2:20
